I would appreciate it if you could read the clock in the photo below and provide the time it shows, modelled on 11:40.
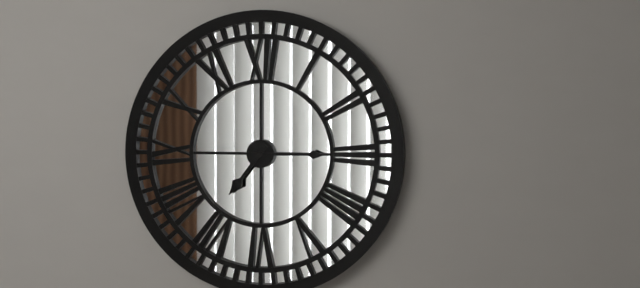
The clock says 7:15
